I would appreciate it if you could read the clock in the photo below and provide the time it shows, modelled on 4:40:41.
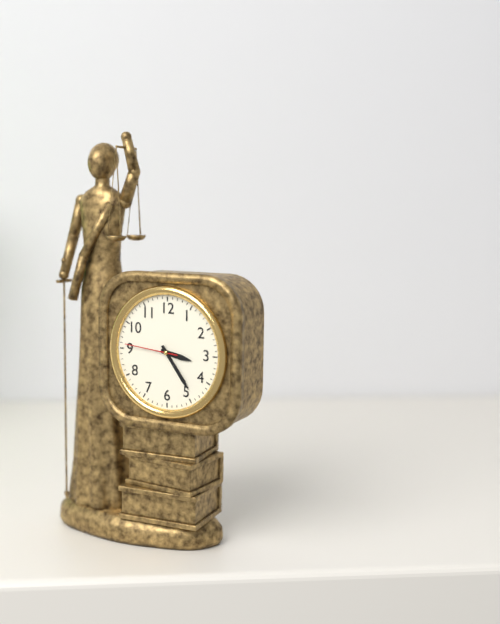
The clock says 3:24:46
